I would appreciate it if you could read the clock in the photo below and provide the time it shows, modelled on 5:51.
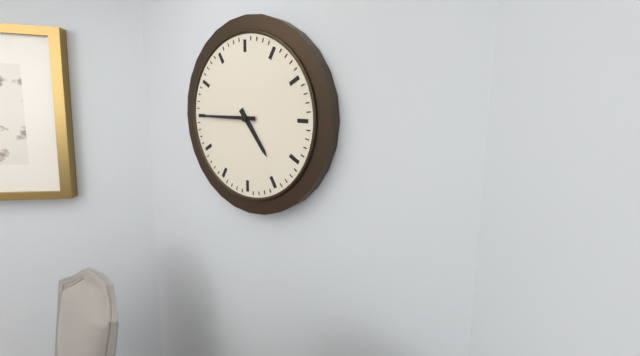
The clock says 4:45
